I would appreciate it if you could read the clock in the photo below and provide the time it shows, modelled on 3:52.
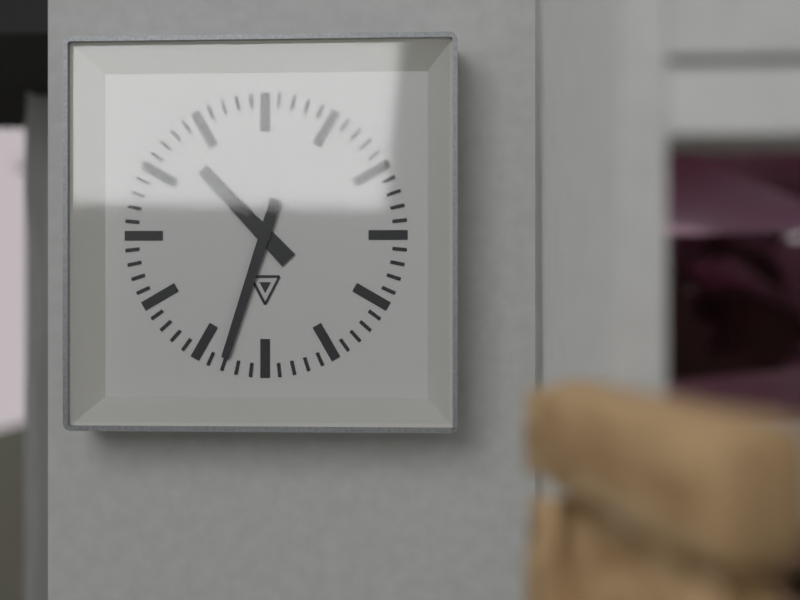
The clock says 10:33
